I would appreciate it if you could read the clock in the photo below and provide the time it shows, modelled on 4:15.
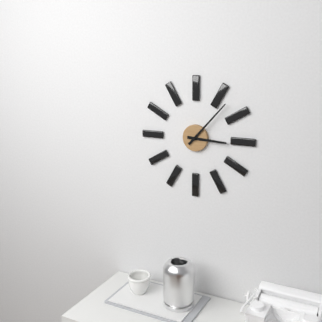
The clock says 3:07
